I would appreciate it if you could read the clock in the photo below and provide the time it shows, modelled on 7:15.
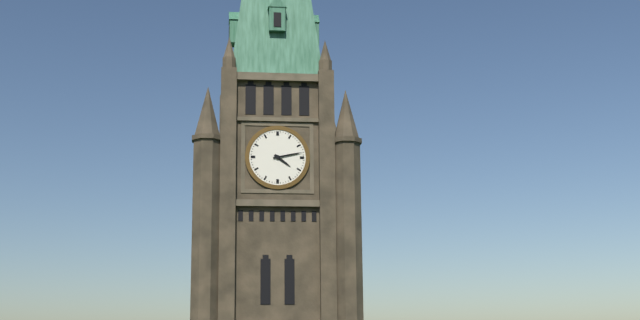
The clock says 4:13
